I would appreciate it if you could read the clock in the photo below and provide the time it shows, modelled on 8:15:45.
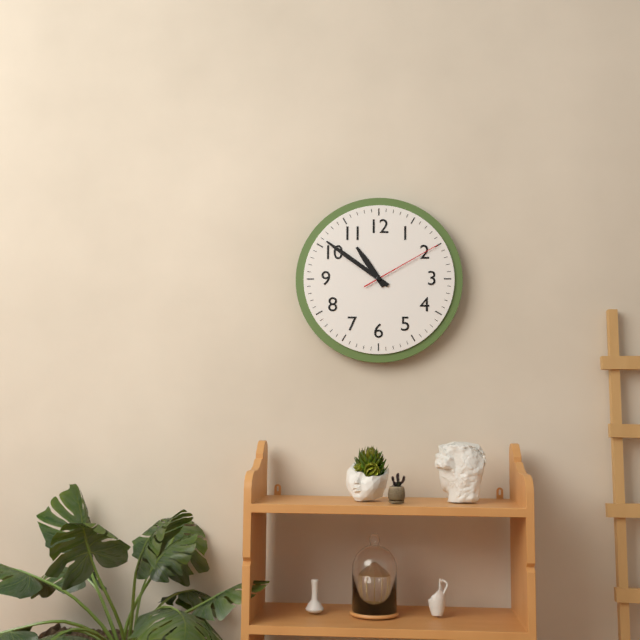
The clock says 10:51:10
